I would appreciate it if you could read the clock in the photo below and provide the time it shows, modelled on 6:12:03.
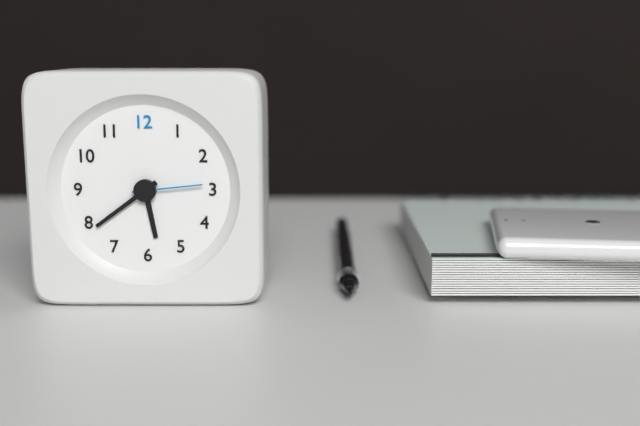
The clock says 5:39:14
